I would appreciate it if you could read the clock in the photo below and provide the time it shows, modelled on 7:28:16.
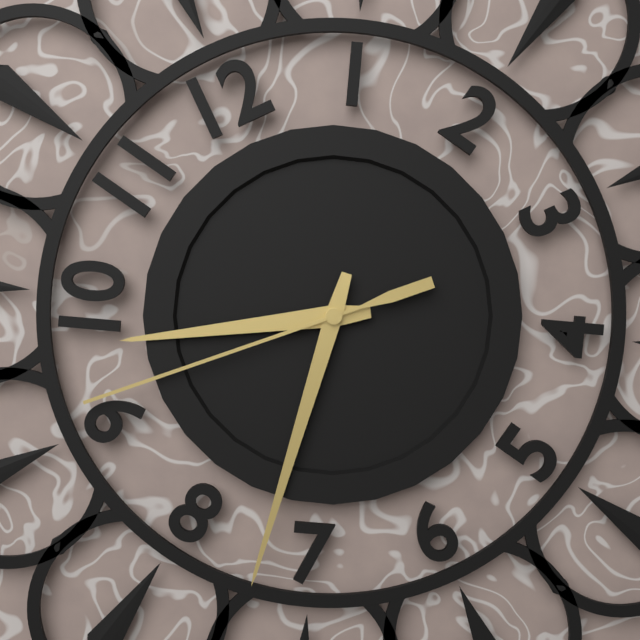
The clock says 9:37:46
